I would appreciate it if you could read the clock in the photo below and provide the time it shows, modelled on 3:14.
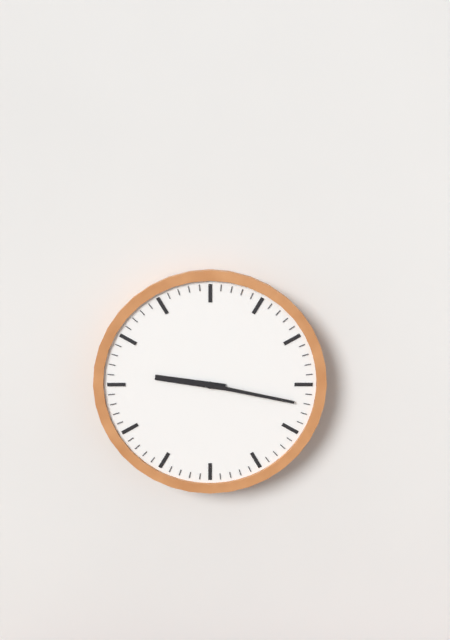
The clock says 9:17
